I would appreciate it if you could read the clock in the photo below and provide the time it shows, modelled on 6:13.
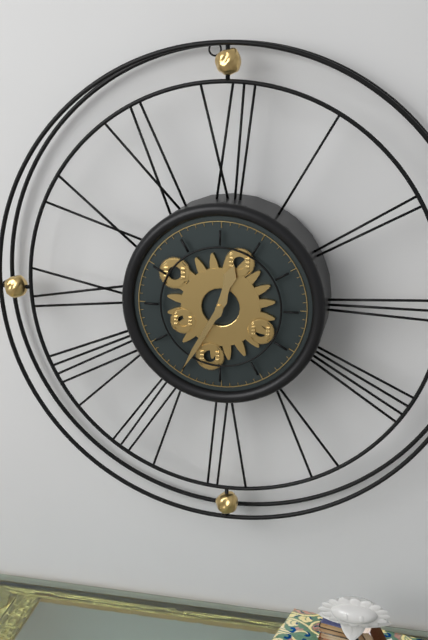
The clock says 12:35
